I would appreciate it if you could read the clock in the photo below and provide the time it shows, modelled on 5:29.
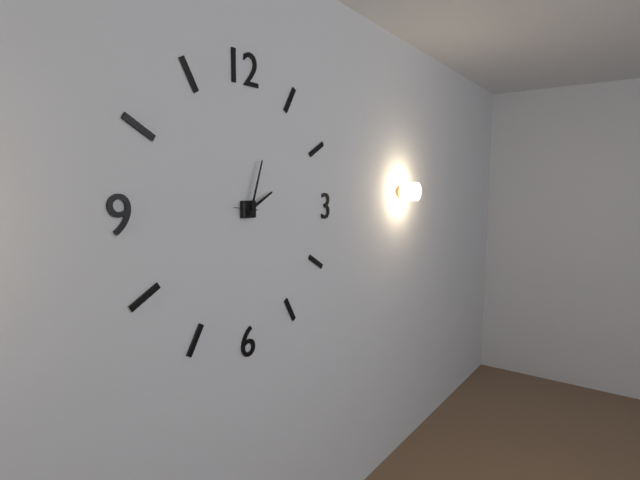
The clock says 2:03
